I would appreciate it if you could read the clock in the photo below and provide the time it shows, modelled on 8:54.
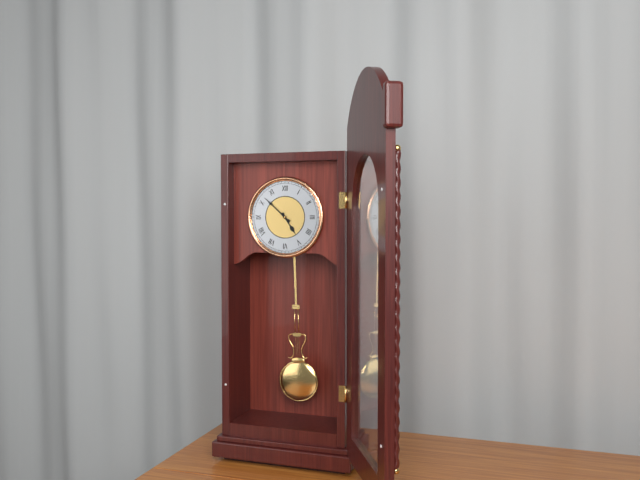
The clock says 4:52
